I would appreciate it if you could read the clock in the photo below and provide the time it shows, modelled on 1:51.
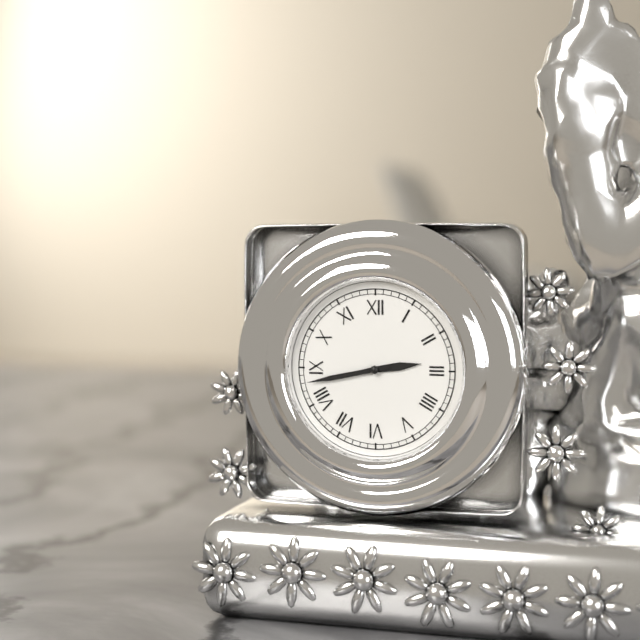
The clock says 2:43
